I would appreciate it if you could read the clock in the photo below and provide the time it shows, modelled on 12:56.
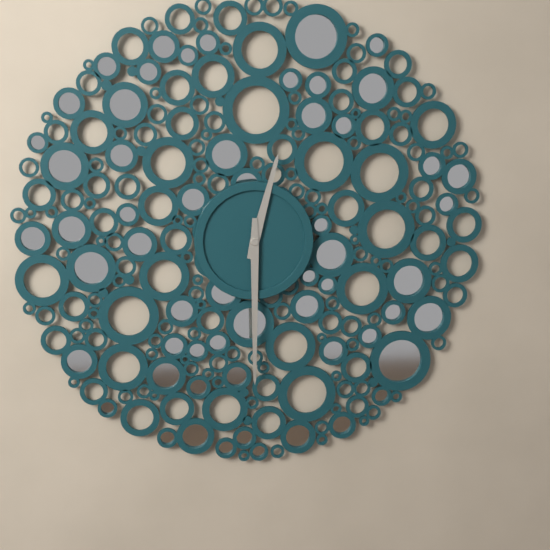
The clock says 12:30
